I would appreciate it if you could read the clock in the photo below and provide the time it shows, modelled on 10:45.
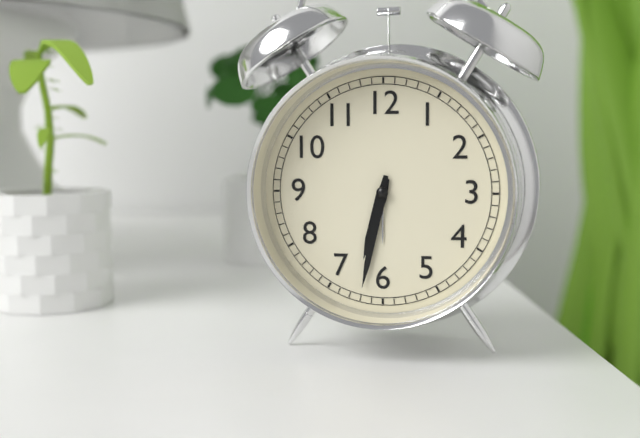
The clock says 6:32
